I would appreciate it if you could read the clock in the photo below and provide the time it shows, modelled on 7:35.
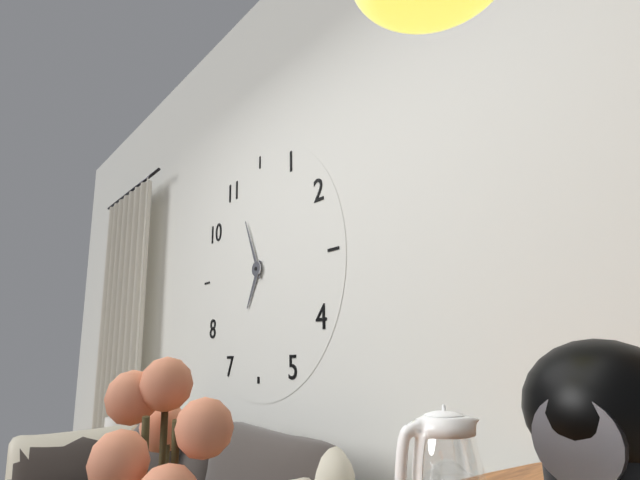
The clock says 6:56
